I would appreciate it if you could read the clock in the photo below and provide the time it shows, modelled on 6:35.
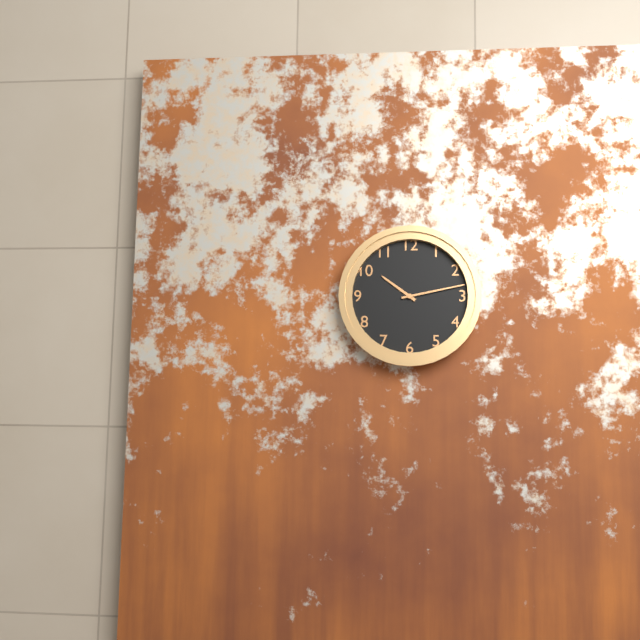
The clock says 10:13
